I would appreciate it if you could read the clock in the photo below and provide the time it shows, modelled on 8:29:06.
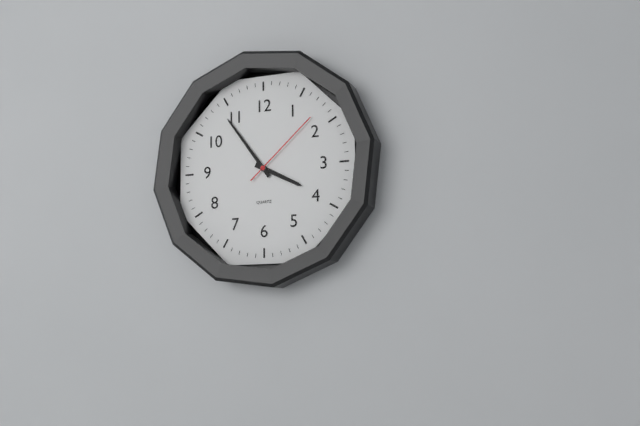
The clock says 3:54:08
